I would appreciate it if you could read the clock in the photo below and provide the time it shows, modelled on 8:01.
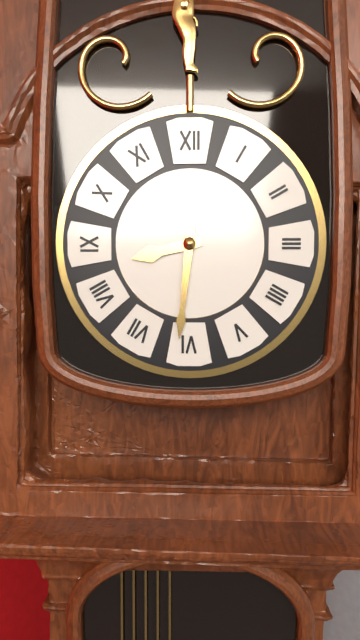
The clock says 8:31
